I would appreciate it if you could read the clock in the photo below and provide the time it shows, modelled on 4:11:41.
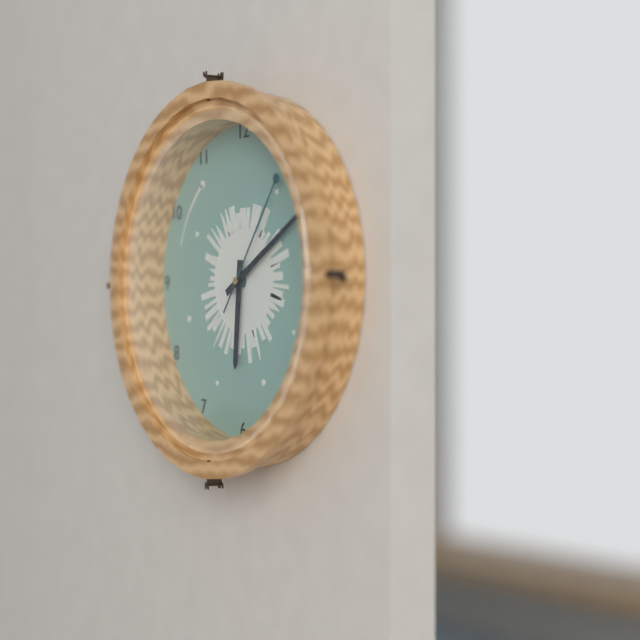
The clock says 6:10:06
